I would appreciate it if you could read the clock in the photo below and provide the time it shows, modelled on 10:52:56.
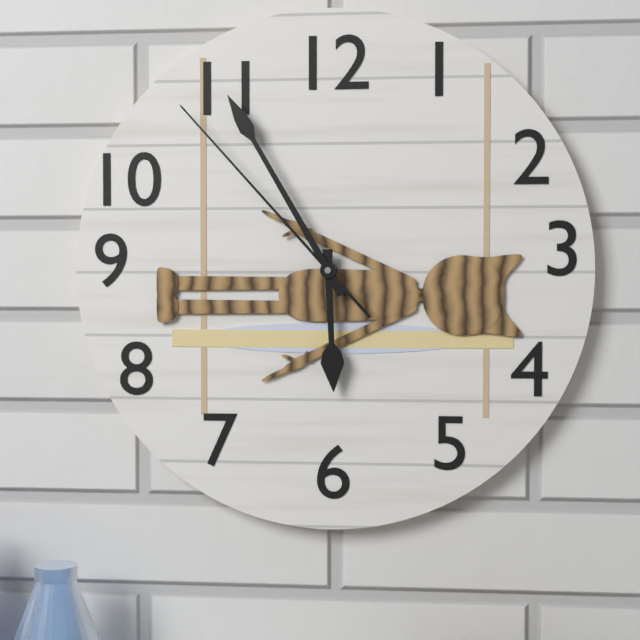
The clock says 5:55:53
